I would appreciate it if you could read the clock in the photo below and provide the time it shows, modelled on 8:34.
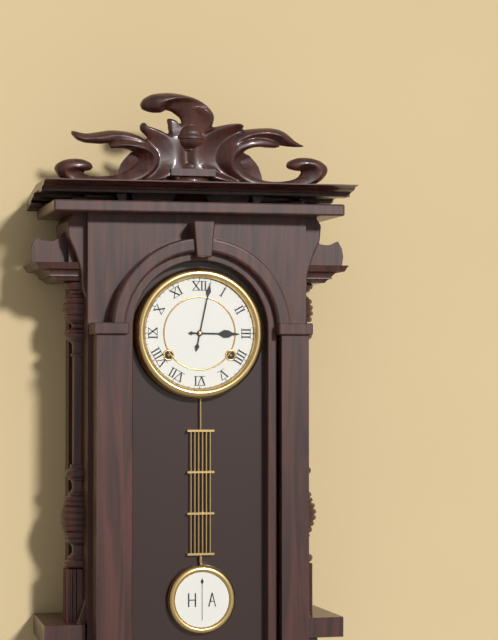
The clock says 3:02
